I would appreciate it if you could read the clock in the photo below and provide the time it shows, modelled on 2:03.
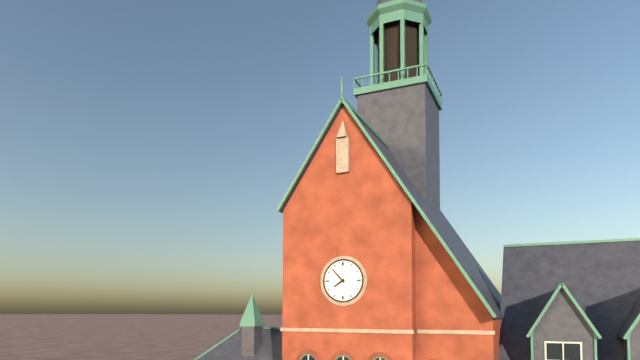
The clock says 7:53
